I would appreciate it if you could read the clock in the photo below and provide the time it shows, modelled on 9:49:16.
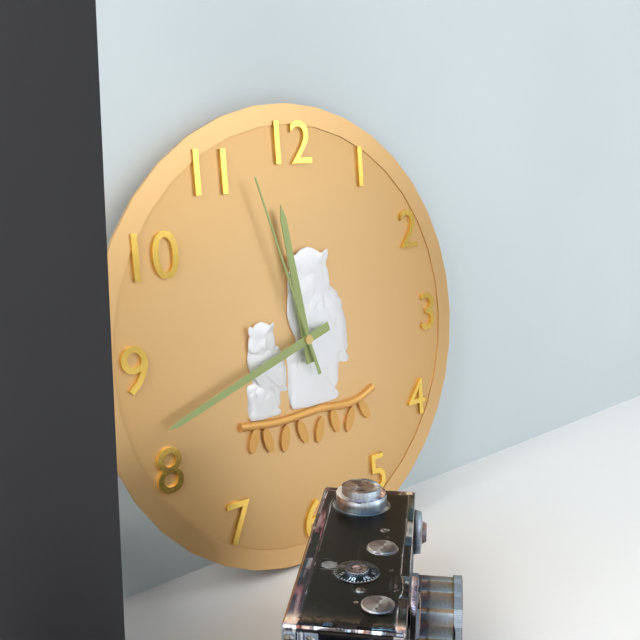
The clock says 11:42:57
